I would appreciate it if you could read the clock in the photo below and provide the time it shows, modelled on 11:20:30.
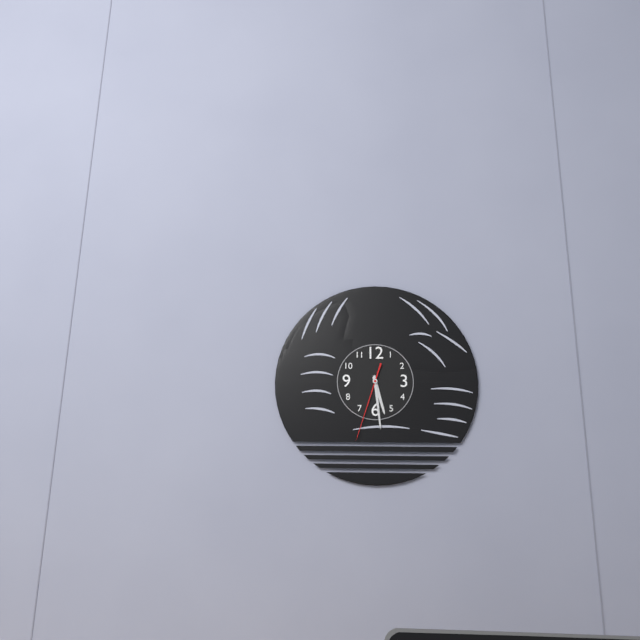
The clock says 5:29:33
